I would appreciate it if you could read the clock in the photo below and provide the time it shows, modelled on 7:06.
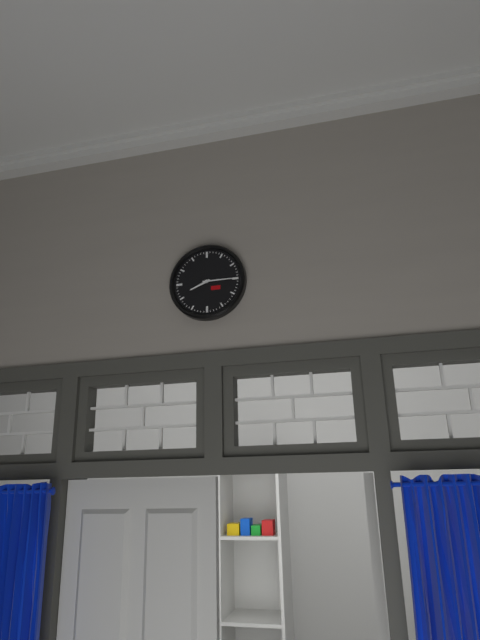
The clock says 8:15
